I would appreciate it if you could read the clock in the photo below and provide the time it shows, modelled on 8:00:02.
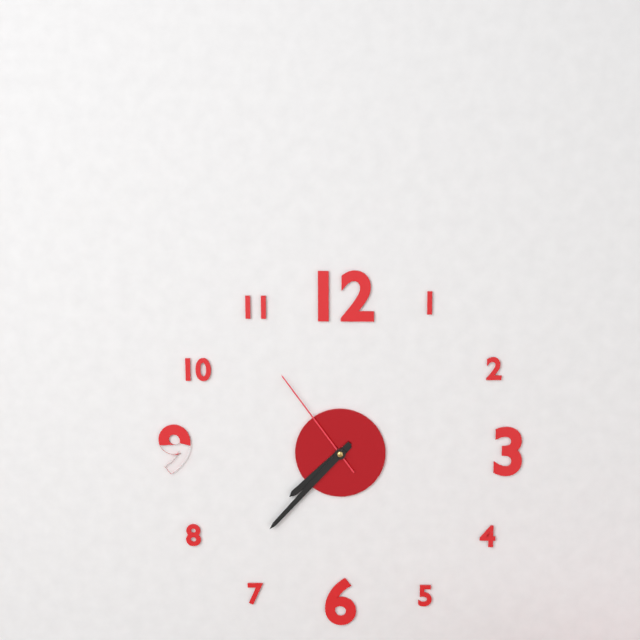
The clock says 7:37:54
